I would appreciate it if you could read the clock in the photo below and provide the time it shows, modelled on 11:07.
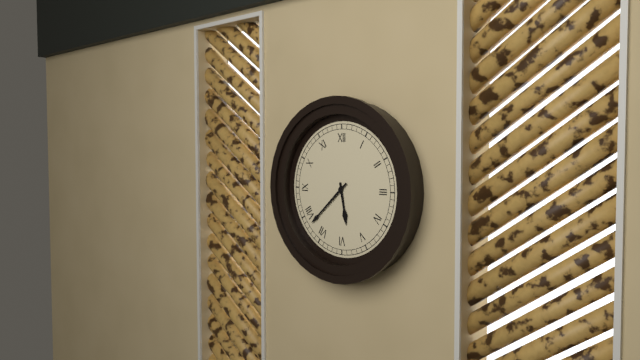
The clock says 5:38
